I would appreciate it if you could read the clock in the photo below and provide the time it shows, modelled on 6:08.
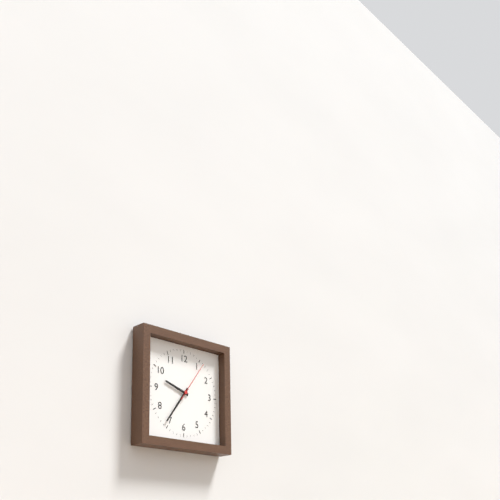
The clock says 9:36
